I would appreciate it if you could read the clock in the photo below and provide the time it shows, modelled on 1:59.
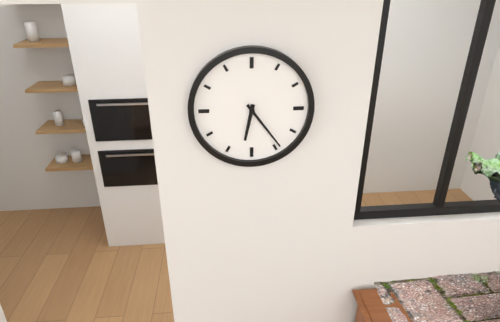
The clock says 6:24
